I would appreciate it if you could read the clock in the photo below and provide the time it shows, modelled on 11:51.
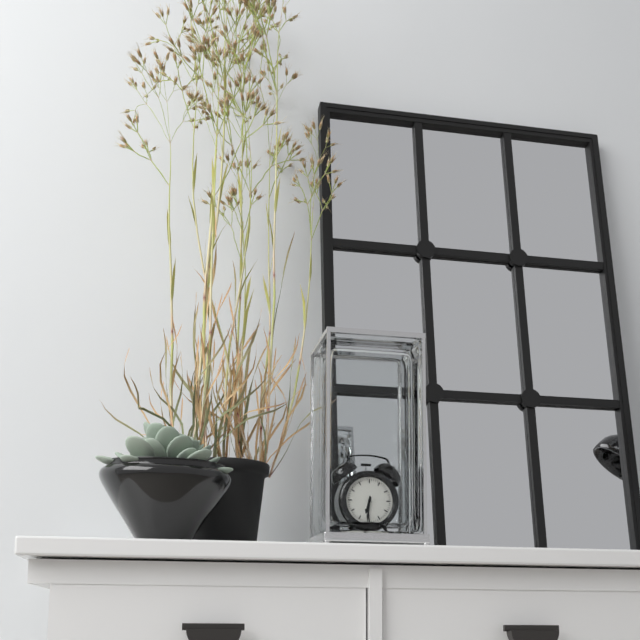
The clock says 6:31
